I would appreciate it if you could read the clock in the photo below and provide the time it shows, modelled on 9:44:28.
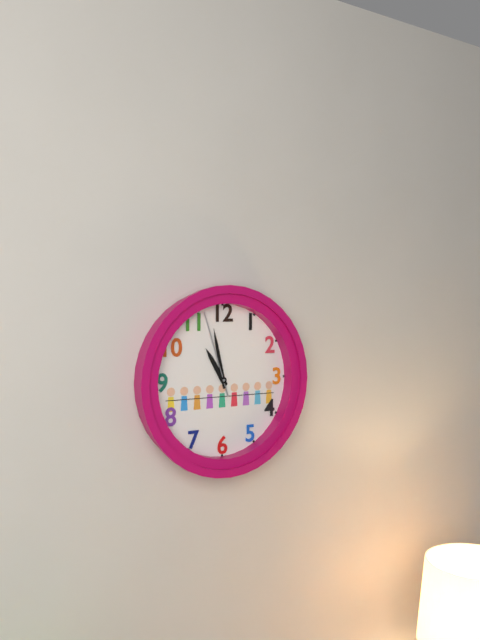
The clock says 10:58:57
